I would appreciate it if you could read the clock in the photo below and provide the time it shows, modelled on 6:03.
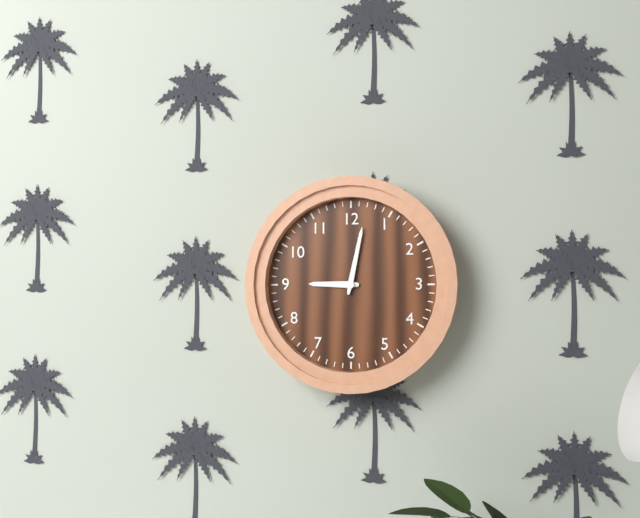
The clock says 9:02
